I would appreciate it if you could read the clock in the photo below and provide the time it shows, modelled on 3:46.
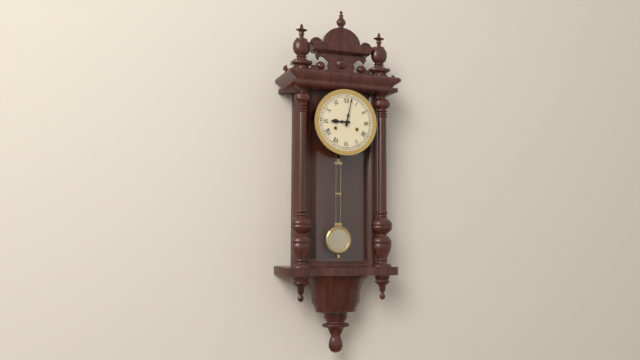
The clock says 9:02
